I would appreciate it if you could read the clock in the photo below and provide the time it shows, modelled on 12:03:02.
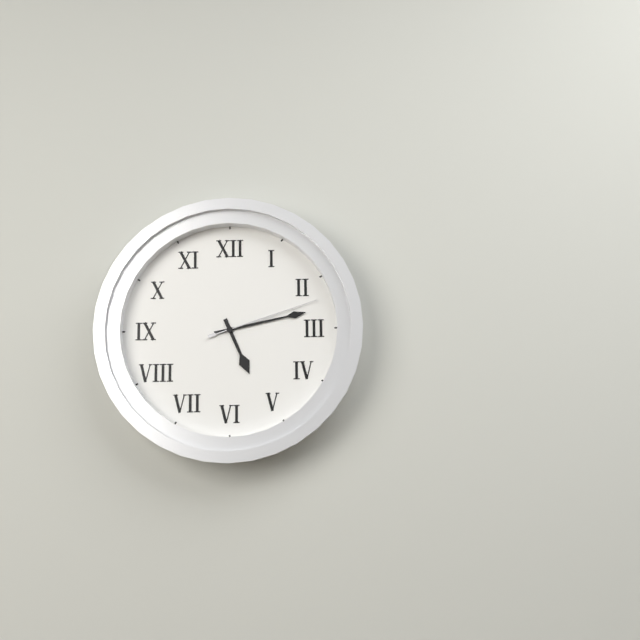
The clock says 5:13:12
